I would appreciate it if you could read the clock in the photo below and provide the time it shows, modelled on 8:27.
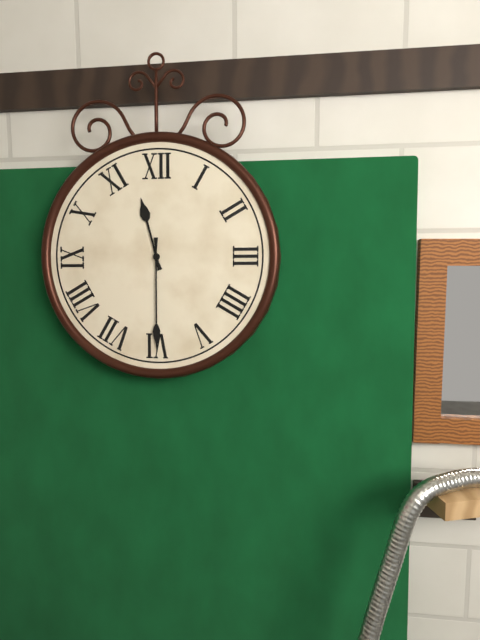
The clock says 11:30
